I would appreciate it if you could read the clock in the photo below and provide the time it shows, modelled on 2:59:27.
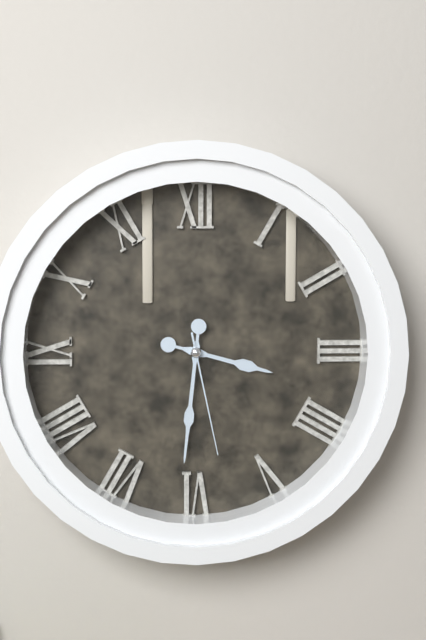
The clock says 3:31:28
